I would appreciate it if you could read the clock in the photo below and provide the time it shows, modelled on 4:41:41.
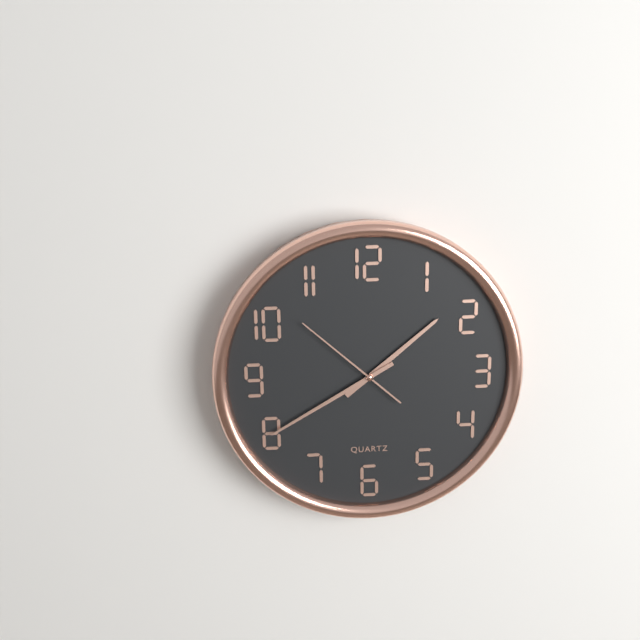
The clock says 1:40:52
